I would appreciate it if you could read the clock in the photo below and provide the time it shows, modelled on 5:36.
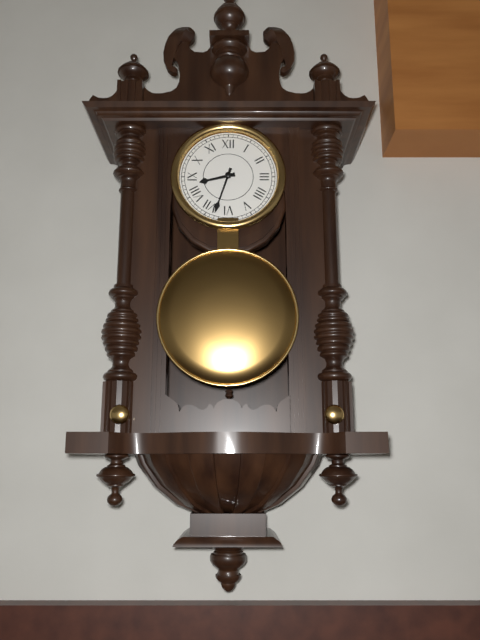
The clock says 8:33
